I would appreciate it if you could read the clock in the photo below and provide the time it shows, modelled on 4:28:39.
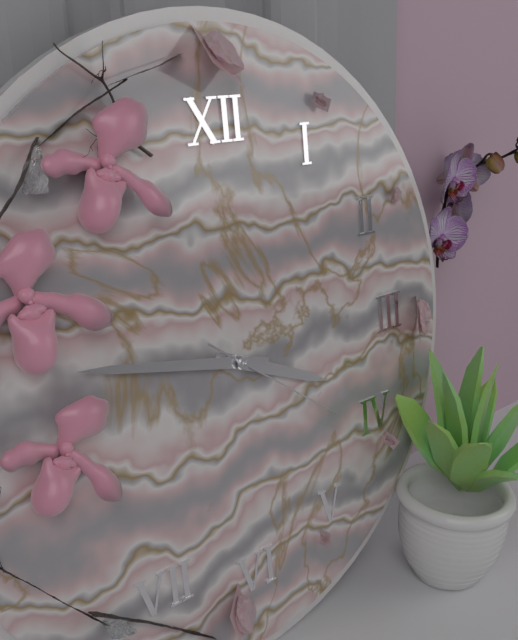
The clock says 3:47:21
